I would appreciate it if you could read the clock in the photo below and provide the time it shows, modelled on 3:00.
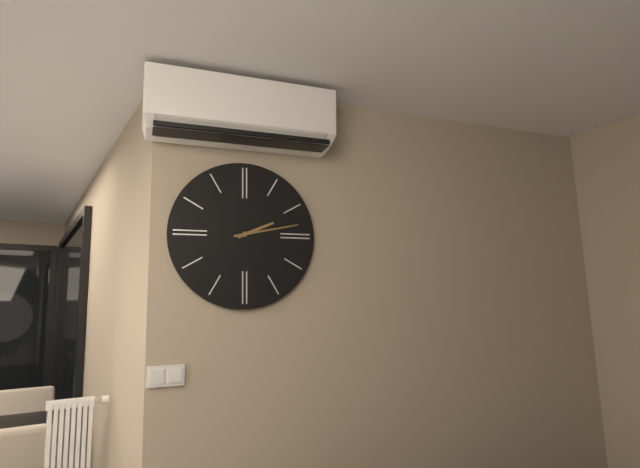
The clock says 2:13
